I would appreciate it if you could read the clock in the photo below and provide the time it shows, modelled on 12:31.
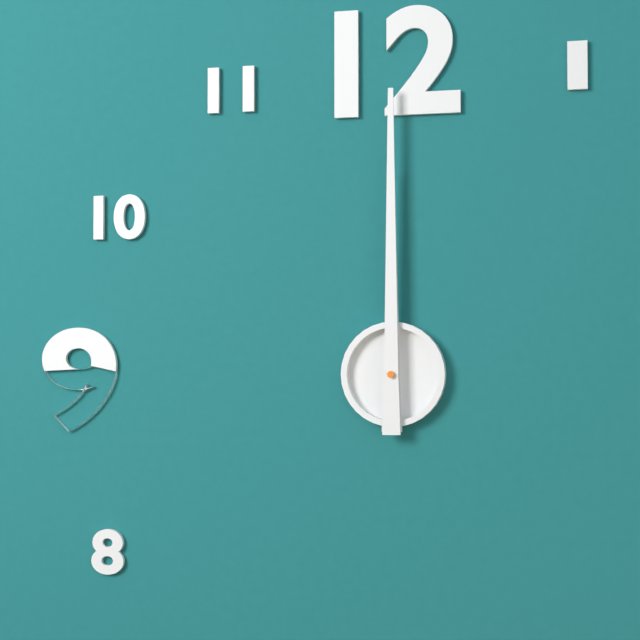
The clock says 12:00
